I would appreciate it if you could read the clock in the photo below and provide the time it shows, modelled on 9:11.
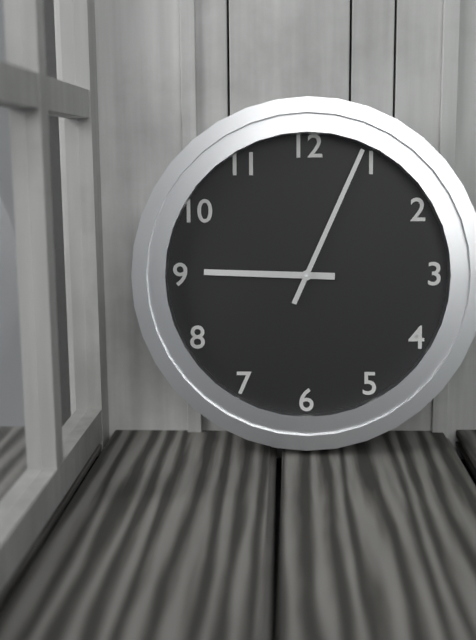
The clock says 9:04
